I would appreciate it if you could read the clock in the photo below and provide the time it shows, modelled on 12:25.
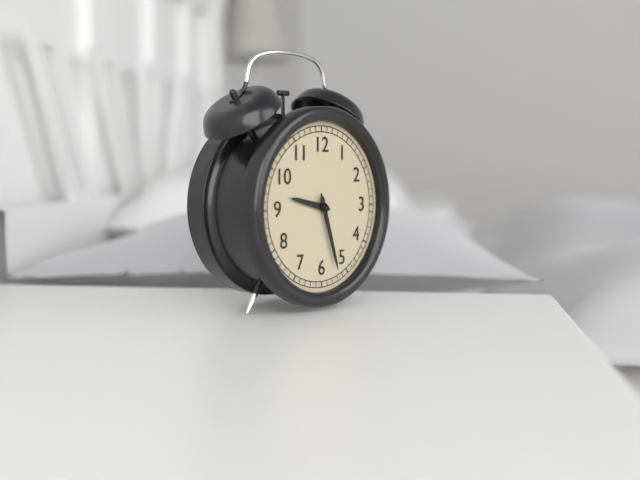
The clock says 9:27
